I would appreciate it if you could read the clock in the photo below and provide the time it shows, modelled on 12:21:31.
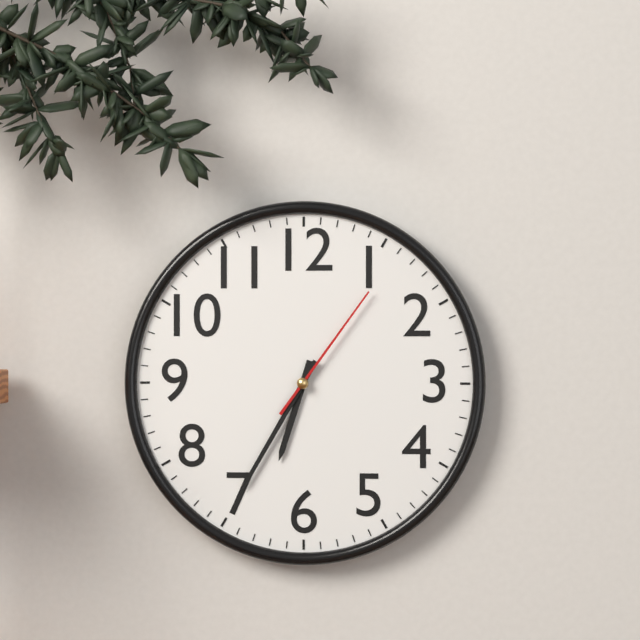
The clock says 6:35:06
